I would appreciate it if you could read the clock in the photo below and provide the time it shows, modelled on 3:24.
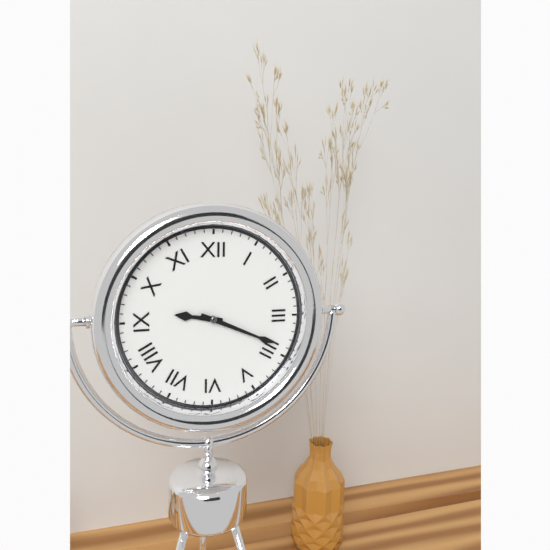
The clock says 9:19
